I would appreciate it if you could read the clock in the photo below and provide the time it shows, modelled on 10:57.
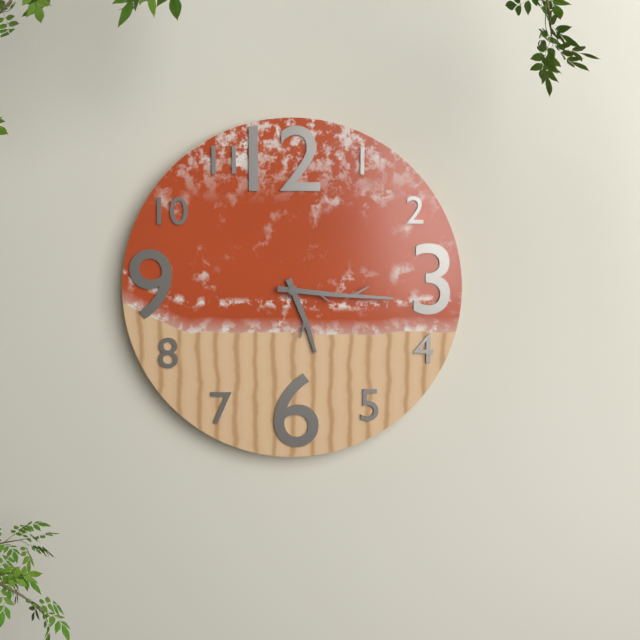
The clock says 5:16
